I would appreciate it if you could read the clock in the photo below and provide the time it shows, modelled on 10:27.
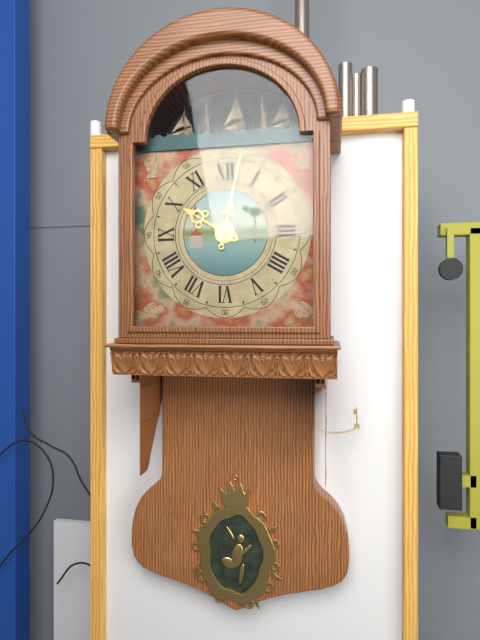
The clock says 10:02
